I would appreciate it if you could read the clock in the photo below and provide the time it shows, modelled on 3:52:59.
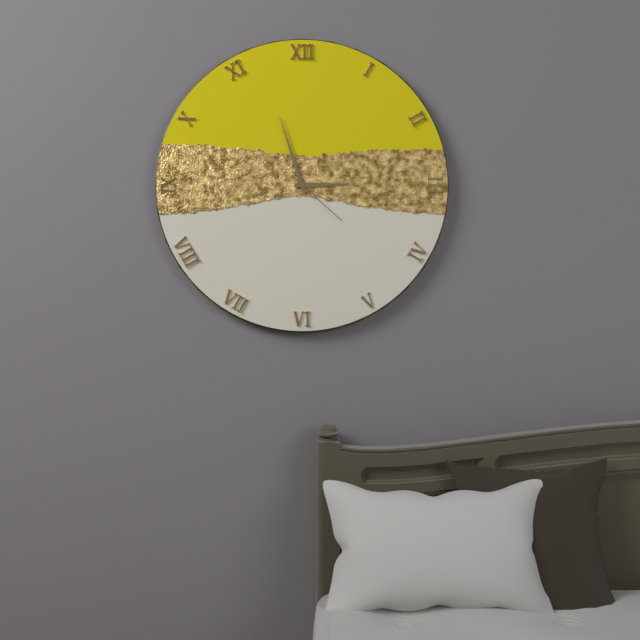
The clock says 2:57:22
